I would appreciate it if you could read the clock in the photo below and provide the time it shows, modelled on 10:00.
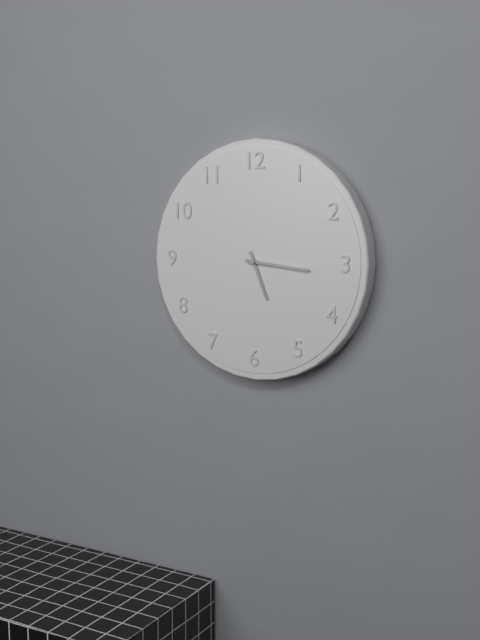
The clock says 5:16
